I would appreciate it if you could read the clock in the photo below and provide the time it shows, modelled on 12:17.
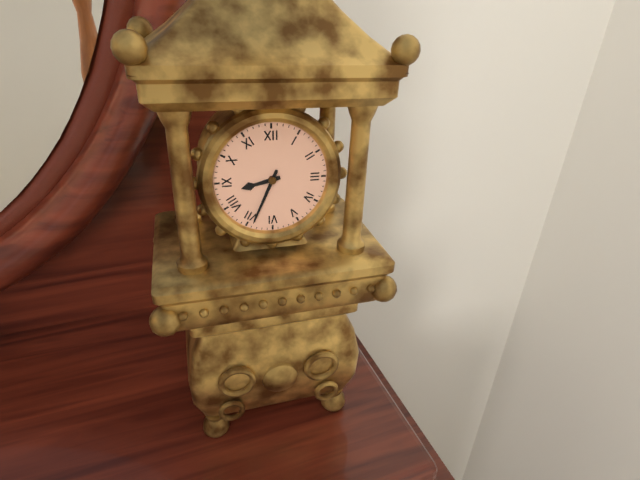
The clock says 8:34
